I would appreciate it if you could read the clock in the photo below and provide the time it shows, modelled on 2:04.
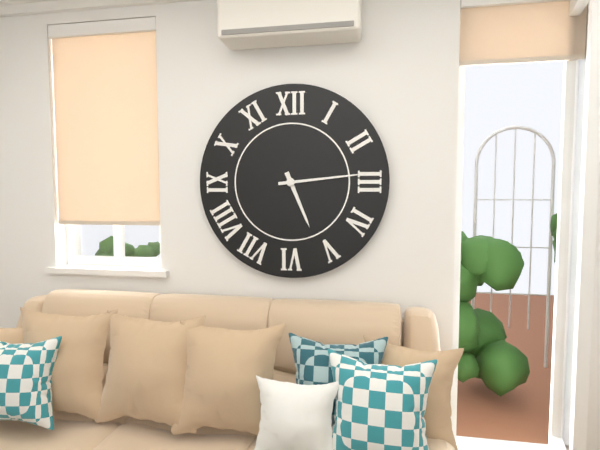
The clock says 5:14
